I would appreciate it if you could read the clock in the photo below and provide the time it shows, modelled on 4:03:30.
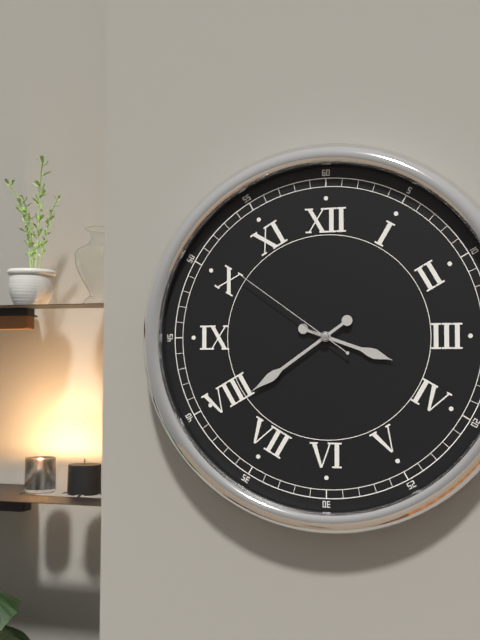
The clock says 3:39:51
